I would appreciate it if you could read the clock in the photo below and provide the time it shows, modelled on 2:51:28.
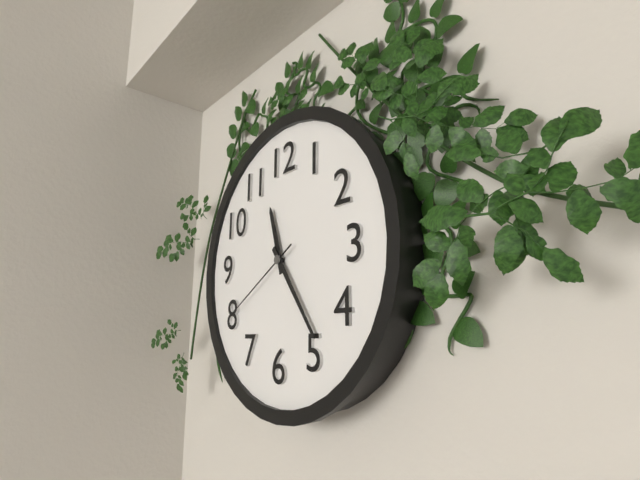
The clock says 11:24:40
